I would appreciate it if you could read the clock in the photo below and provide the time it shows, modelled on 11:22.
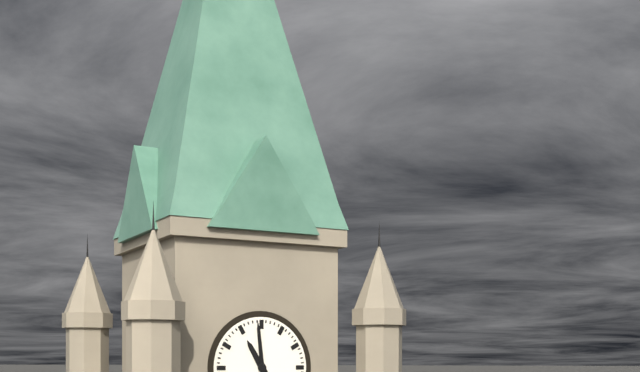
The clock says 10:59
